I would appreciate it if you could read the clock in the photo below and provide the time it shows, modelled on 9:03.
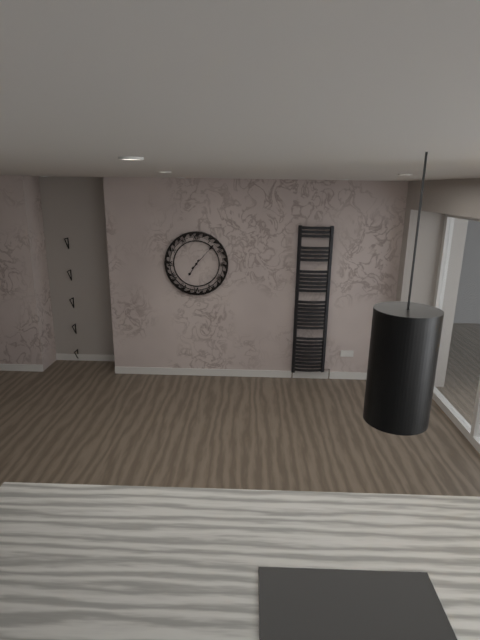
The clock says 7:07
